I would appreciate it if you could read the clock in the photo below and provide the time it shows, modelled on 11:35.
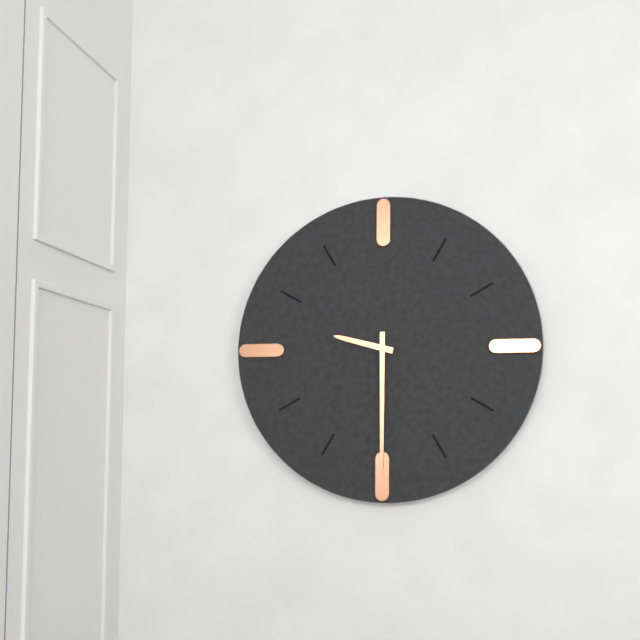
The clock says 9:30
